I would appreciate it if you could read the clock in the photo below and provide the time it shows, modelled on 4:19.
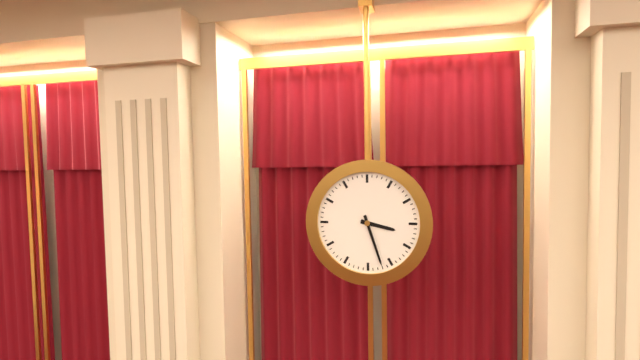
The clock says 3:27
